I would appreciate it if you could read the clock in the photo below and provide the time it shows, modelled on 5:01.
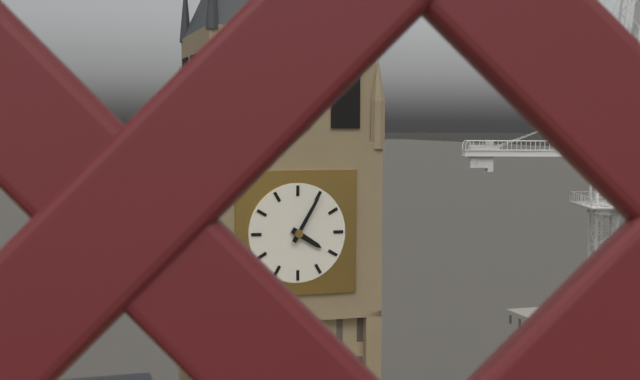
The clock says 4:05
